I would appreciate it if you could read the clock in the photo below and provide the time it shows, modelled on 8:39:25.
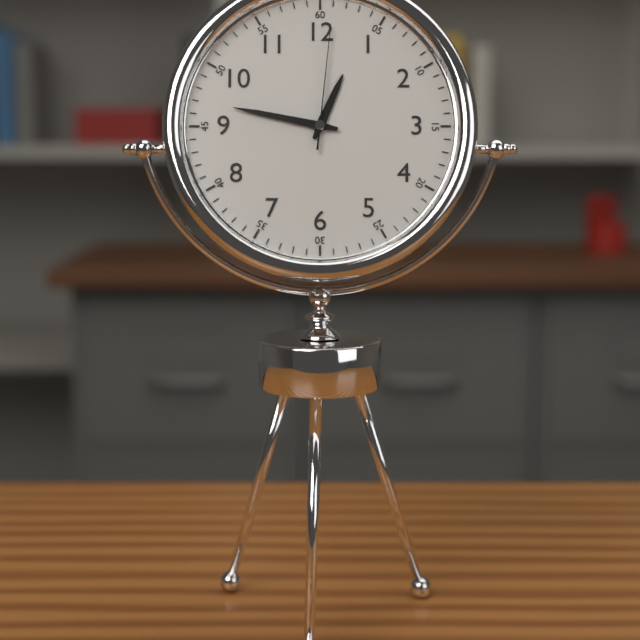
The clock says 12:47:01
